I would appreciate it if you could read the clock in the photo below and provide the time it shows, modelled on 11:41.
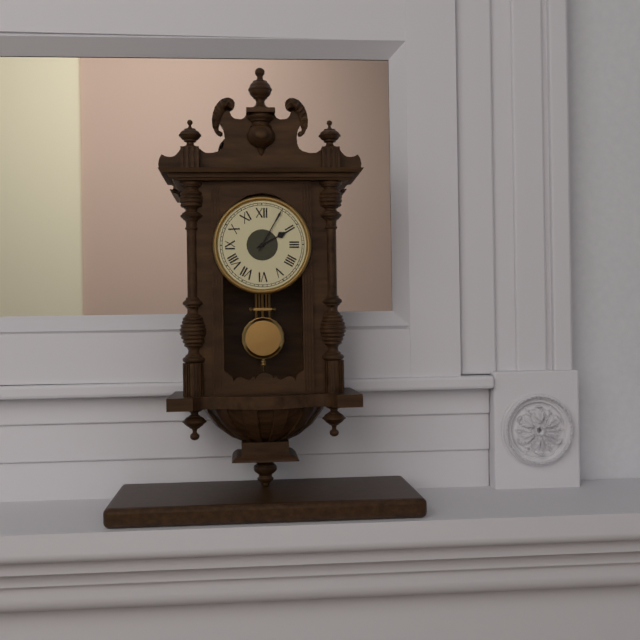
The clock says 2:05
